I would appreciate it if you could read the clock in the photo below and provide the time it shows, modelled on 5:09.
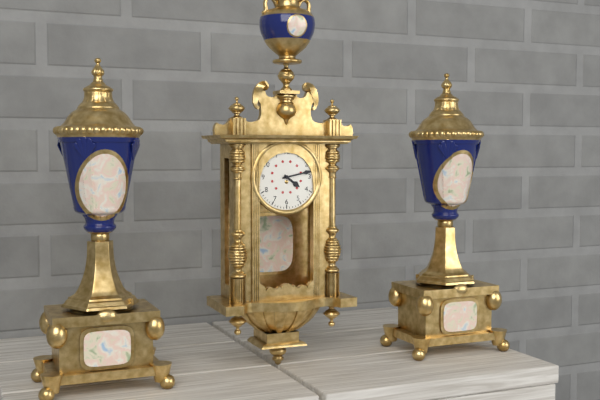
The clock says 4:13
